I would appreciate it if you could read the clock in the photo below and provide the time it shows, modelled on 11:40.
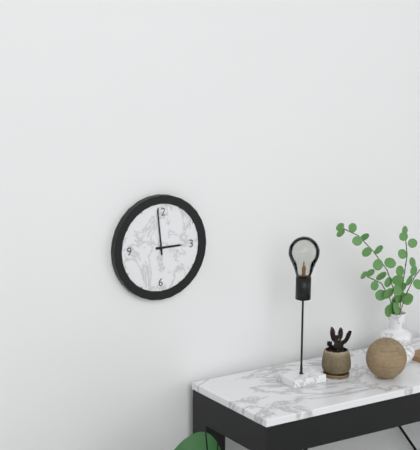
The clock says 2:59
